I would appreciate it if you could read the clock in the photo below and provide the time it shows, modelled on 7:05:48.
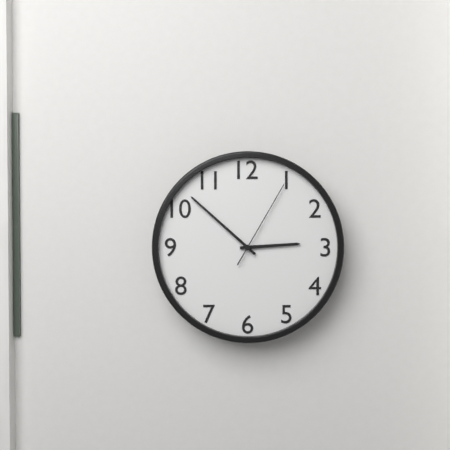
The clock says 2:52:05
